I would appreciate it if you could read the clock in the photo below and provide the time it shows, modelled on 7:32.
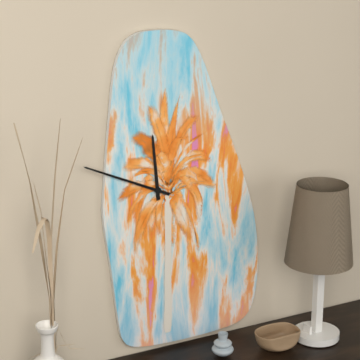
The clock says 11:49
